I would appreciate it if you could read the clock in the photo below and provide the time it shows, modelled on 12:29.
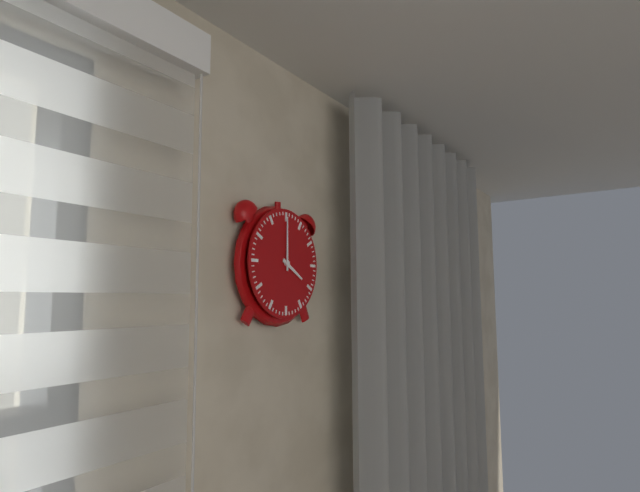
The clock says 4:00
